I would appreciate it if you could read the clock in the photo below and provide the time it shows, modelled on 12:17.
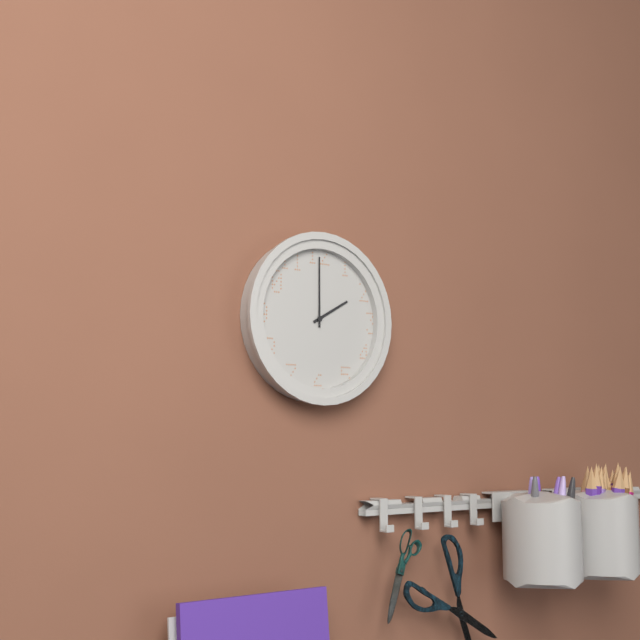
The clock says 2:00
